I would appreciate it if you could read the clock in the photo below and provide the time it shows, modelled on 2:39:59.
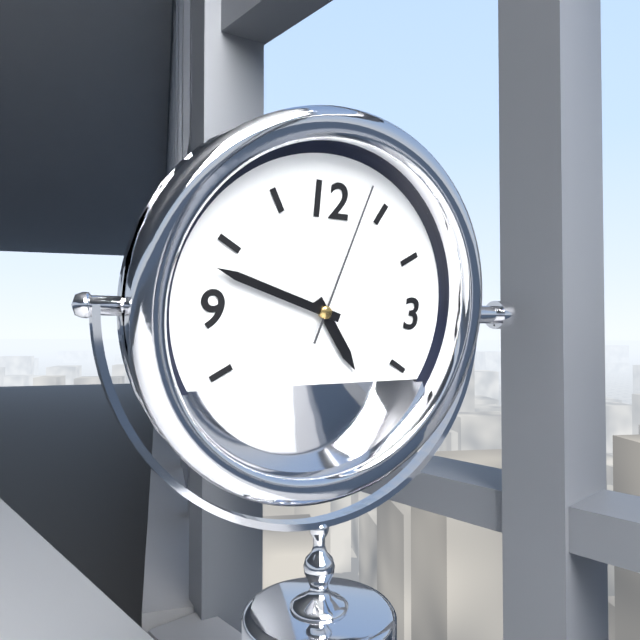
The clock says 4:48:03
